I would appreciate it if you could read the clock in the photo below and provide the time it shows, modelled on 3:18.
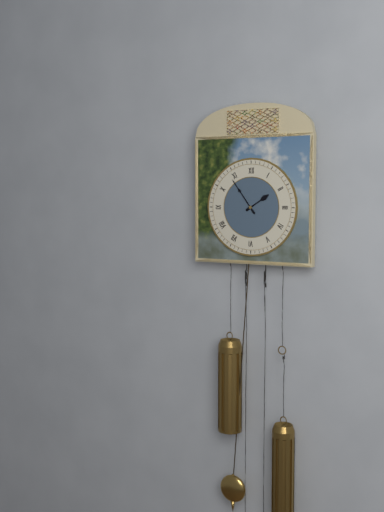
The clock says 1:54
